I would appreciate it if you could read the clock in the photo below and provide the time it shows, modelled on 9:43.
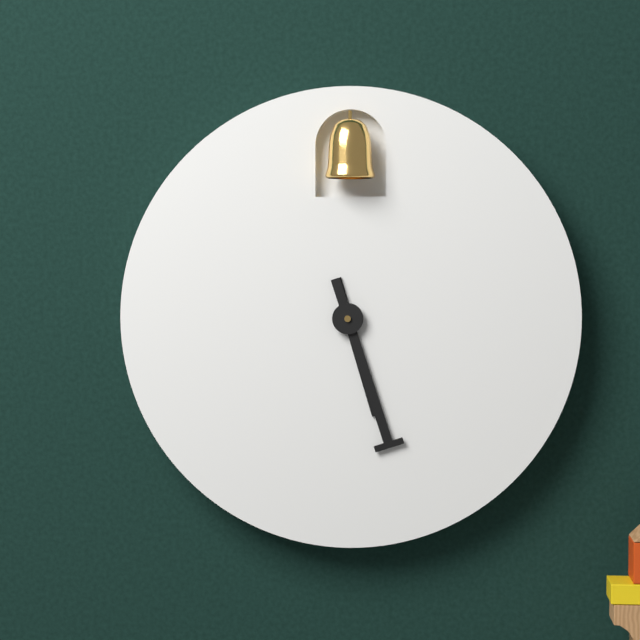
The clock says 5:27
